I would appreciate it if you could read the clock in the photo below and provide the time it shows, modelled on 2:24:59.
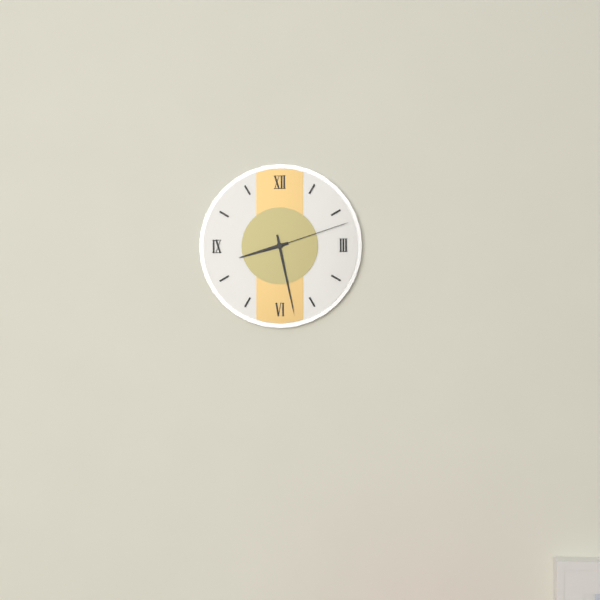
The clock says 8:28:12
